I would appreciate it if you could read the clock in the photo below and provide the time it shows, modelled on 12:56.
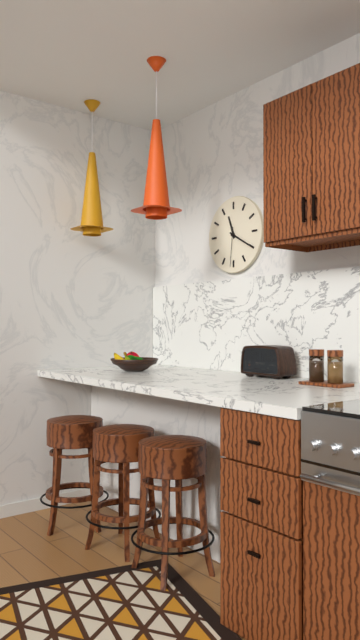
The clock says 11:20
